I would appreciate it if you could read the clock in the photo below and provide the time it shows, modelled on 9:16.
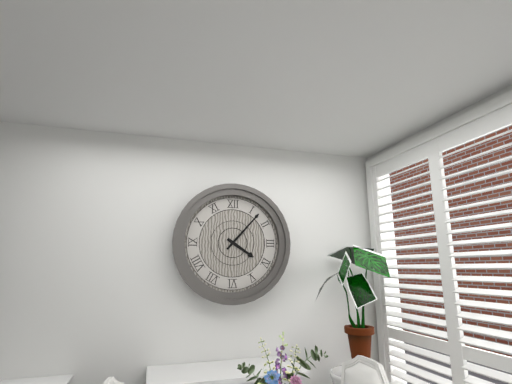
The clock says 4:07
